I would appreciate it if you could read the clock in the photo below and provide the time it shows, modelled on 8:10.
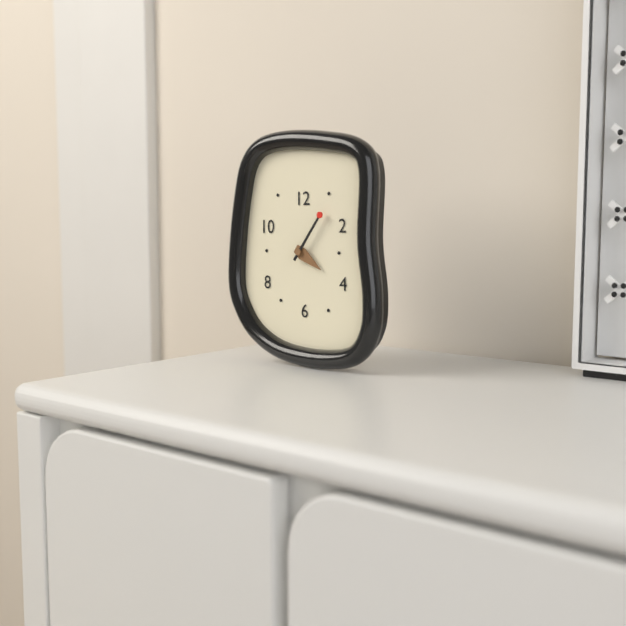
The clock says 4:06
